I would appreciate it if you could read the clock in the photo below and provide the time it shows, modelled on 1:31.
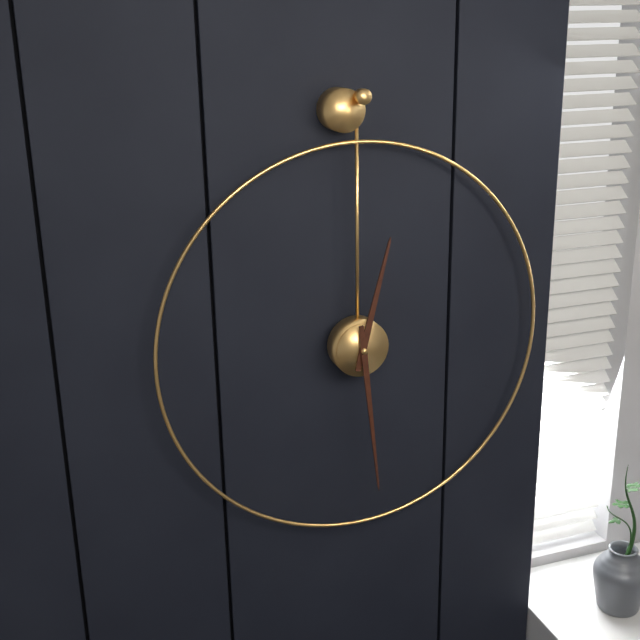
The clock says 12:29
